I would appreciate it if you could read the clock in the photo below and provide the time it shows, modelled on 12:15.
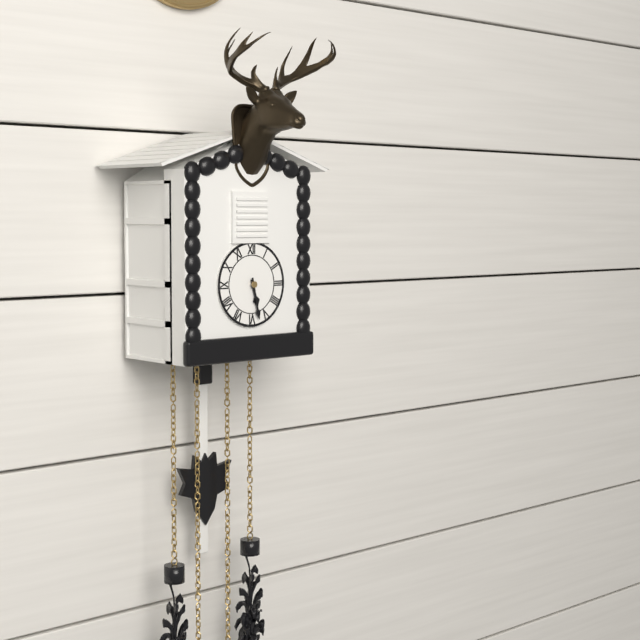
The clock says 5:28
